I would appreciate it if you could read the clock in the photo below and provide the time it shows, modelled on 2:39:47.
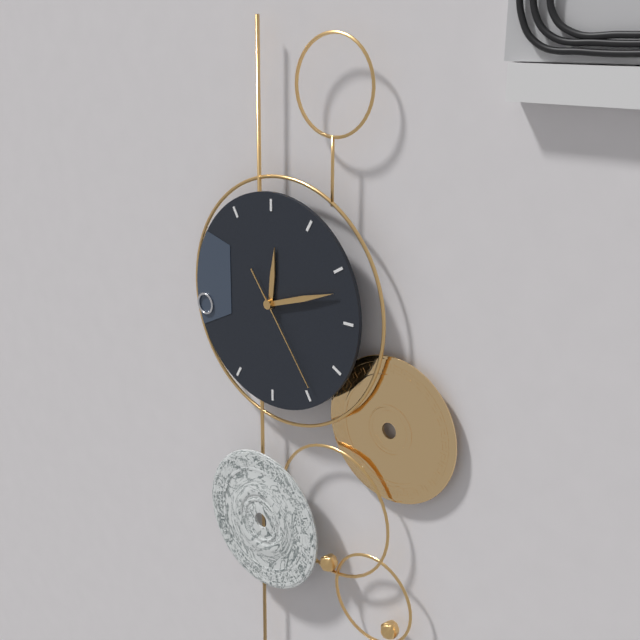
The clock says 12:12:24
